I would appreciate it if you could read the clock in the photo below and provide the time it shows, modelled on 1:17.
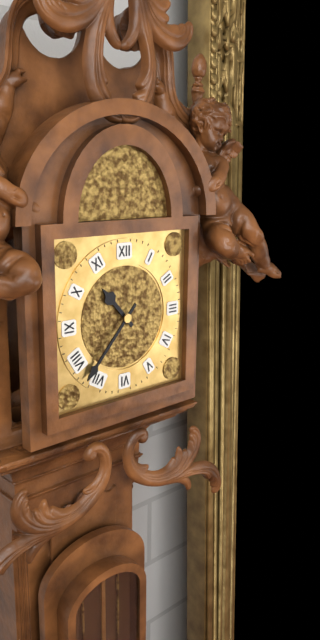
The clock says 10:37
